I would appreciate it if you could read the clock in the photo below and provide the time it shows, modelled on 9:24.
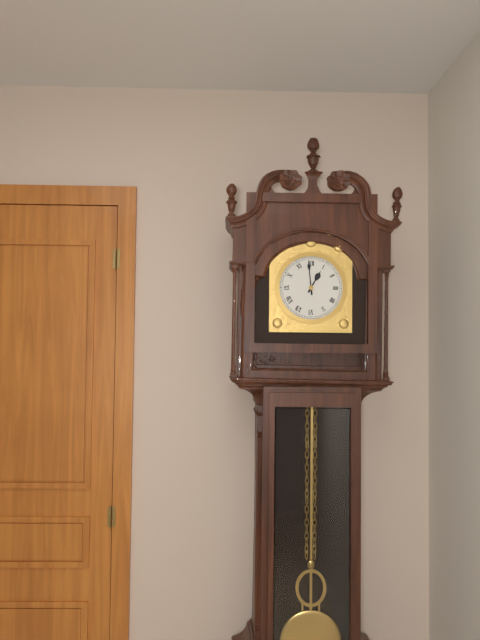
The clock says 12:59
